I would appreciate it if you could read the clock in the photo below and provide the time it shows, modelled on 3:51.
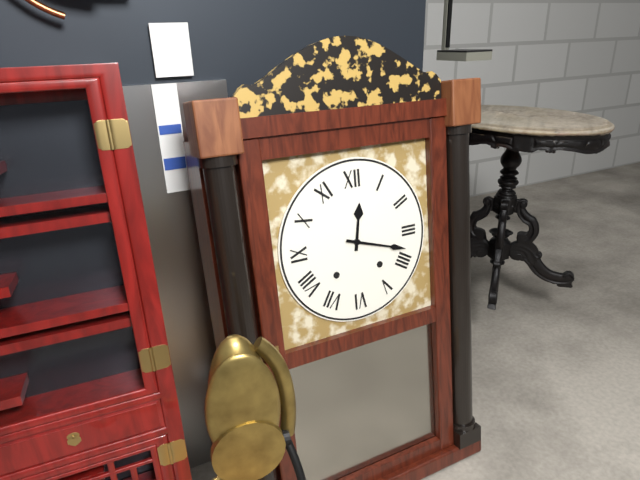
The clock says 12:18
